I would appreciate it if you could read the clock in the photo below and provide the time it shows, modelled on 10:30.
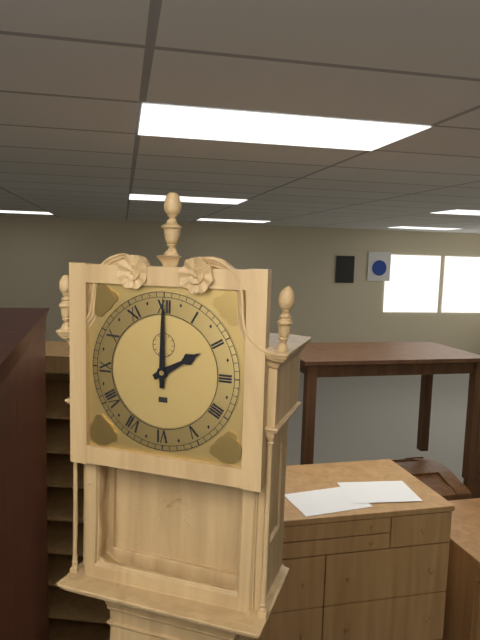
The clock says 2:00
